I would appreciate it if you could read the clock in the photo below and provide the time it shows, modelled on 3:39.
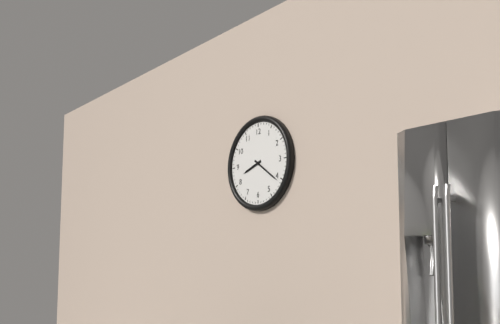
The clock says 8:21
